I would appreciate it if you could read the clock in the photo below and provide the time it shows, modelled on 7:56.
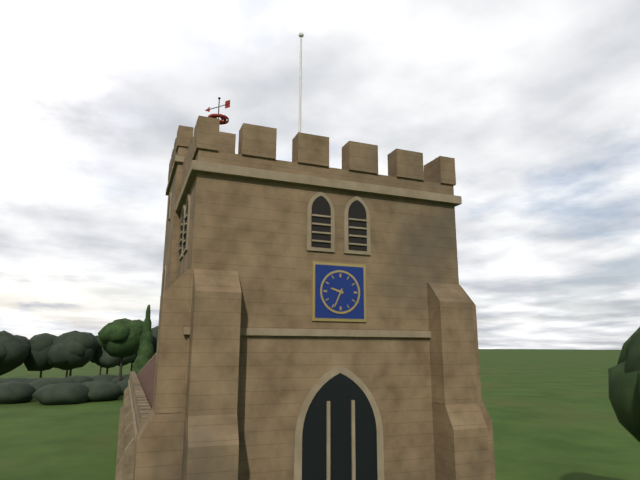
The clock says 9:34
